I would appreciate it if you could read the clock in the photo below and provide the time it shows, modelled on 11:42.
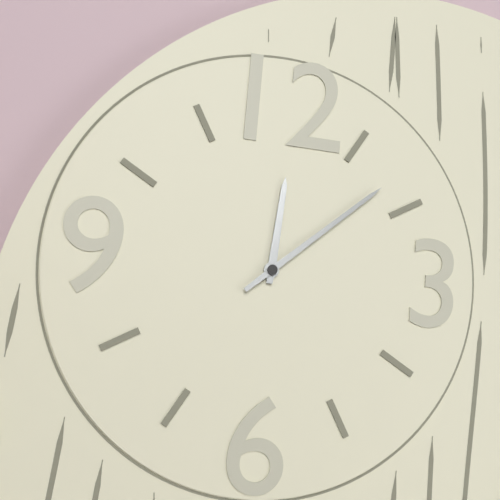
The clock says 12:08
